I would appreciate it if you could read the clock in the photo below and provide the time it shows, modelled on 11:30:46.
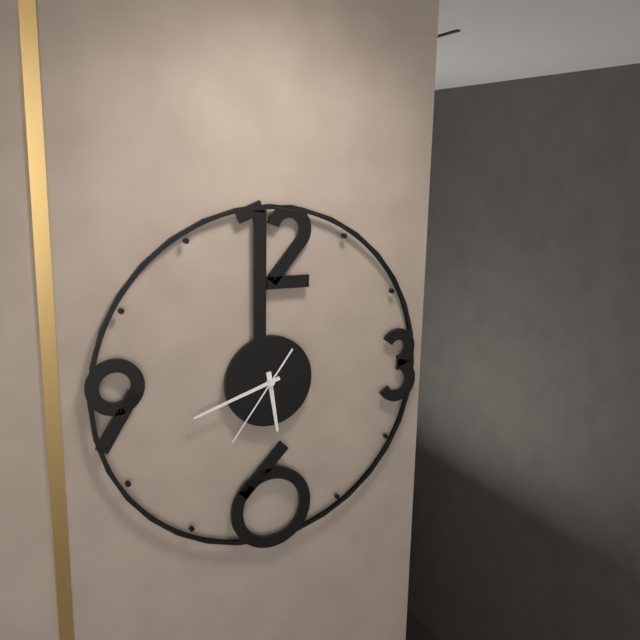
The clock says 5:42:36
